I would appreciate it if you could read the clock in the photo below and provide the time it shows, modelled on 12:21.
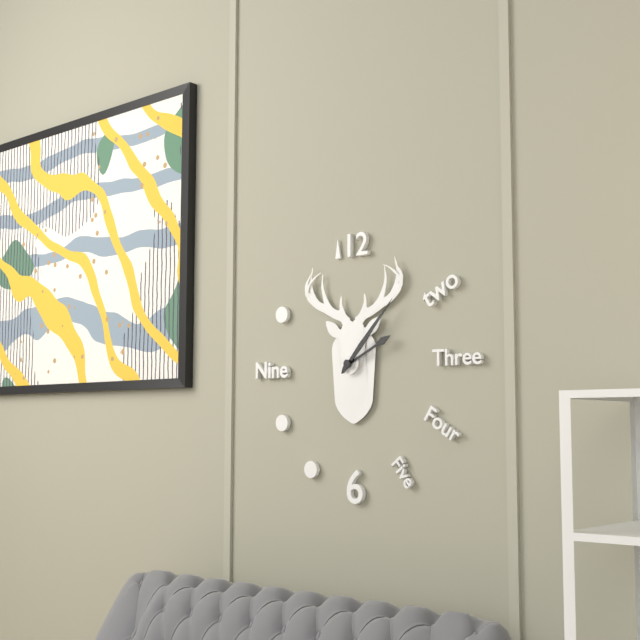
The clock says 2:07
